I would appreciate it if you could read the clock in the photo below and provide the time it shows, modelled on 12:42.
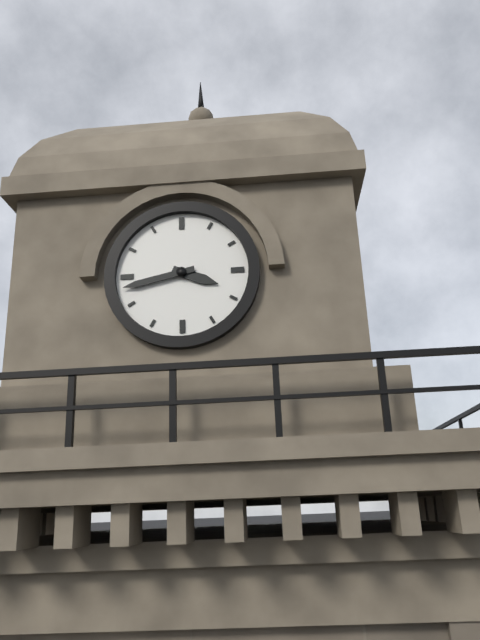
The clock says 3:43
